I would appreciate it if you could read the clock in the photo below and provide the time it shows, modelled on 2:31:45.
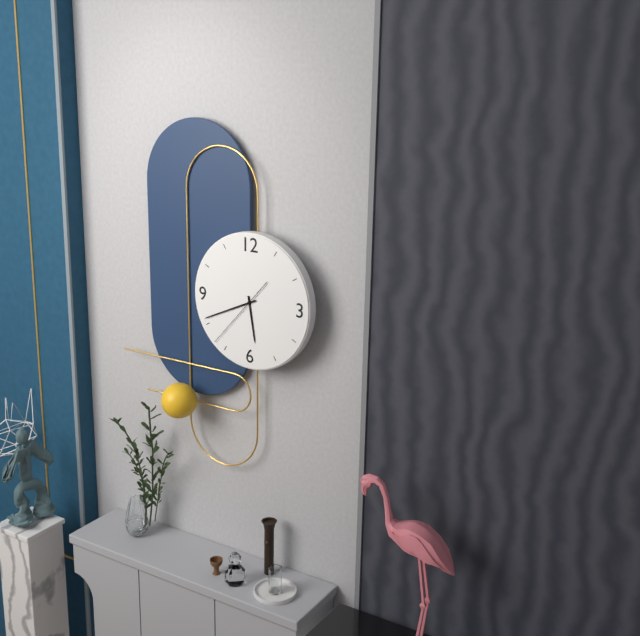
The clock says 5:41:37
